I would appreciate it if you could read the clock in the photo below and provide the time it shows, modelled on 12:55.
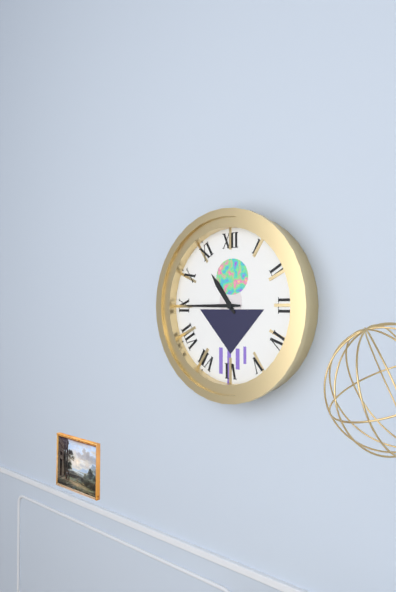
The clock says 10:45
